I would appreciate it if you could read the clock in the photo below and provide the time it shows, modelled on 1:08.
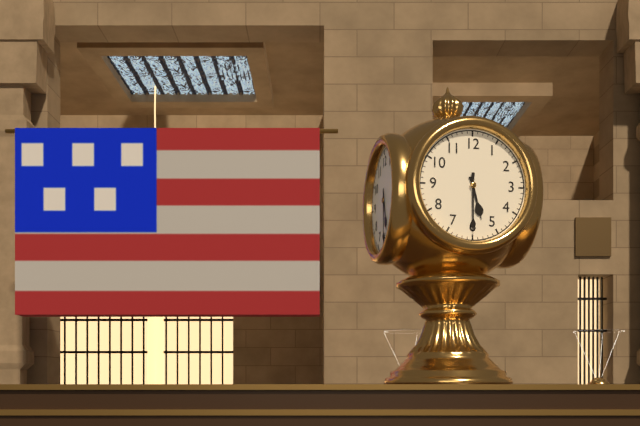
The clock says 5:30
